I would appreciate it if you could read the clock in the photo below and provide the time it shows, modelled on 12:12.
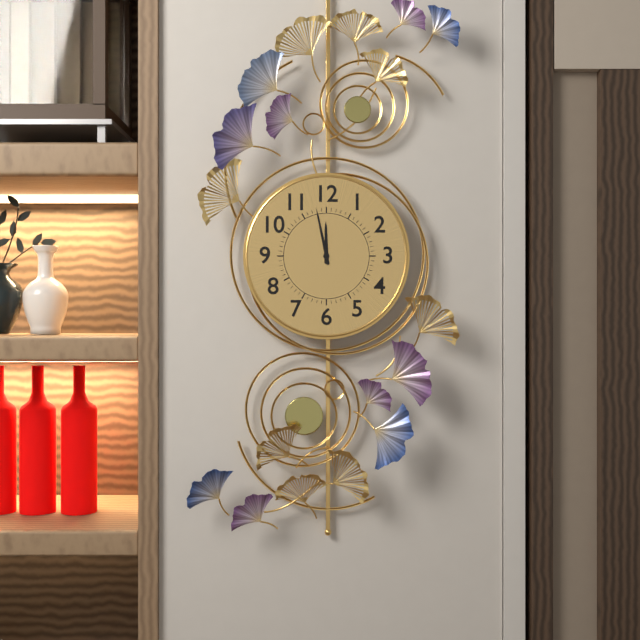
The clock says 11:58
